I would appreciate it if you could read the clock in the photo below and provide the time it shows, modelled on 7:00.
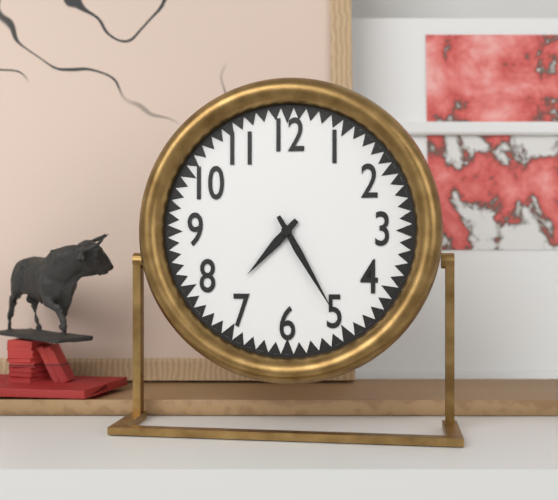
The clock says 7:25
